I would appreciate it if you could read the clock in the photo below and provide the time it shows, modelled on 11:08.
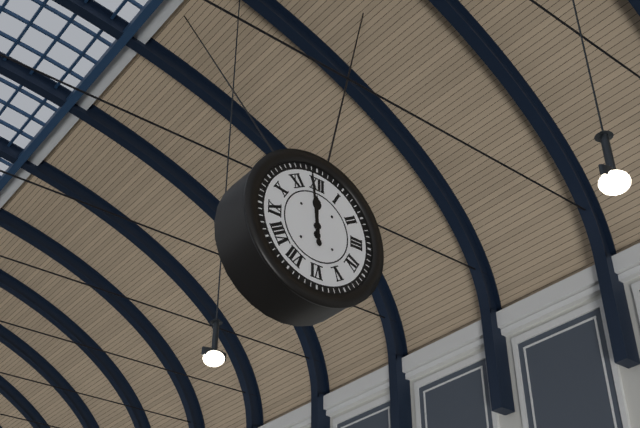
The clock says 11:59
